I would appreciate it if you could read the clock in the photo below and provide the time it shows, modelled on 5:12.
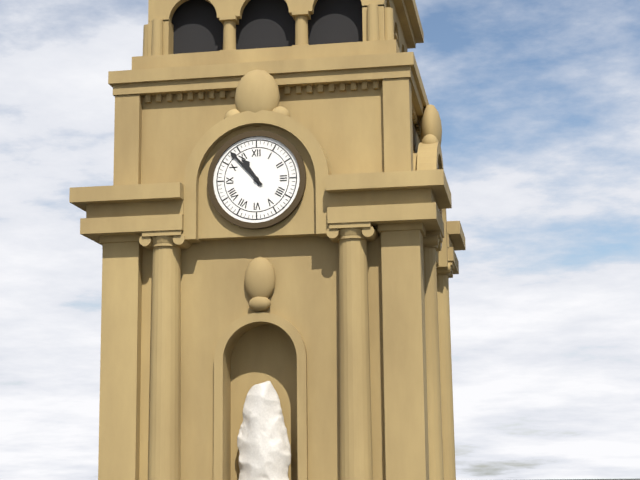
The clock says 10:53
